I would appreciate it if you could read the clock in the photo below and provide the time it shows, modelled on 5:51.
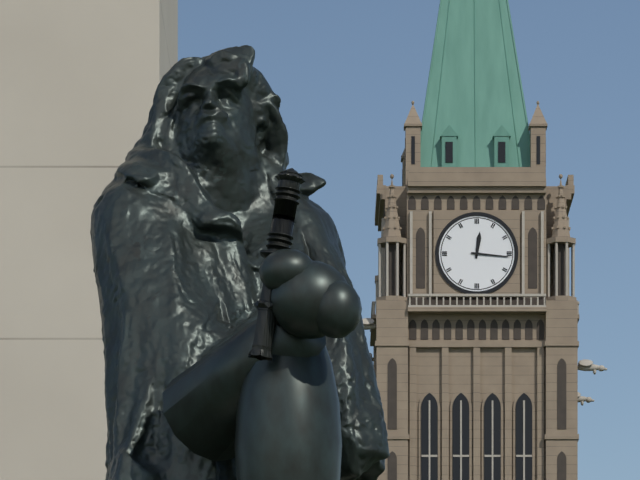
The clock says 12:16
